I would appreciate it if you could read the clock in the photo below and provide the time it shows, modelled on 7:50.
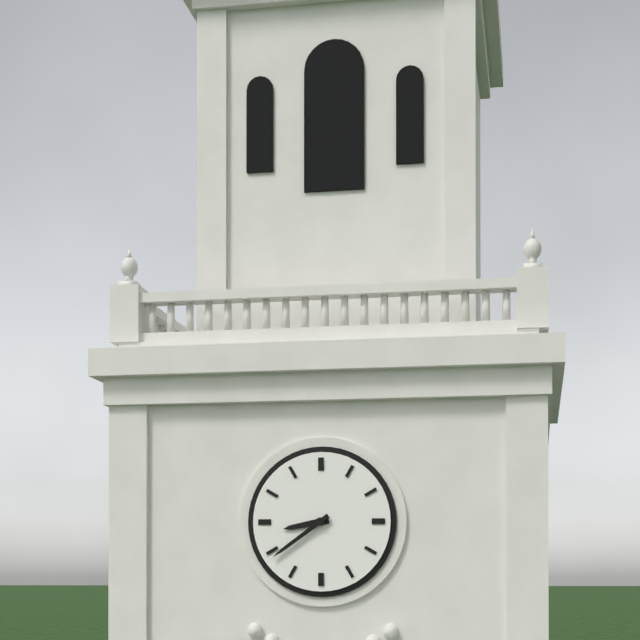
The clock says 8:39
